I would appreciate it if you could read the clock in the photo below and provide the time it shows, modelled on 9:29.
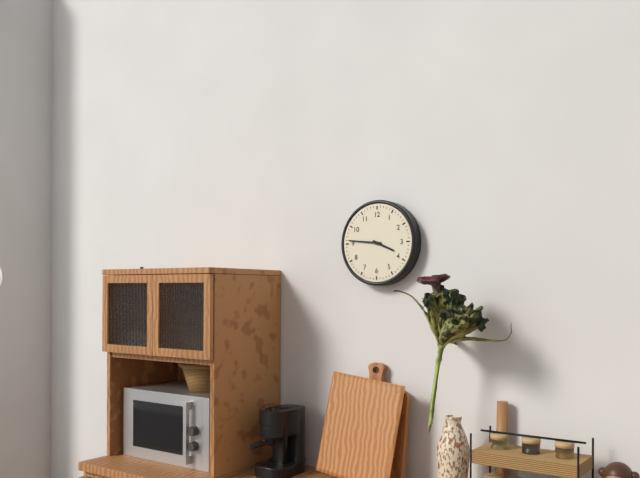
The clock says 3:46
